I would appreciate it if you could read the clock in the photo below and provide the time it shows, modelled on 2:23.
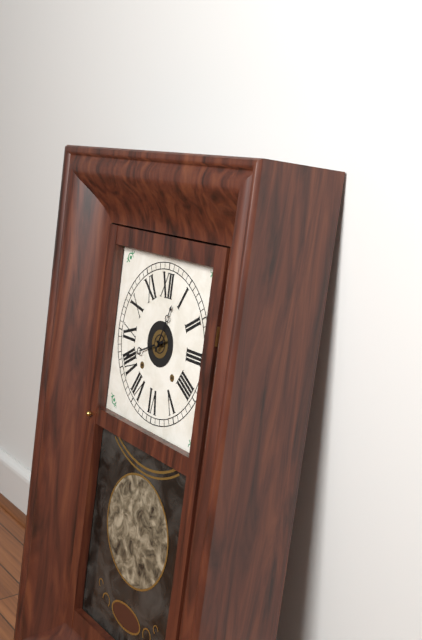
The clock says 12:41
